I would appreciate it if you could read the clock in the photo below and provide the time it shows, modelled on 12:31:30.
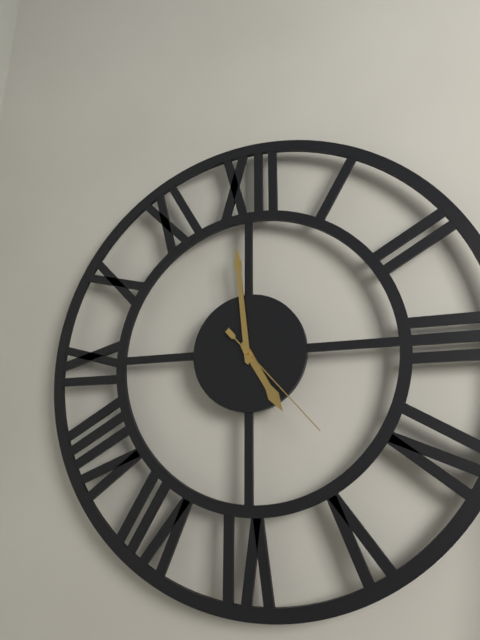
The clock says 4:59:23
